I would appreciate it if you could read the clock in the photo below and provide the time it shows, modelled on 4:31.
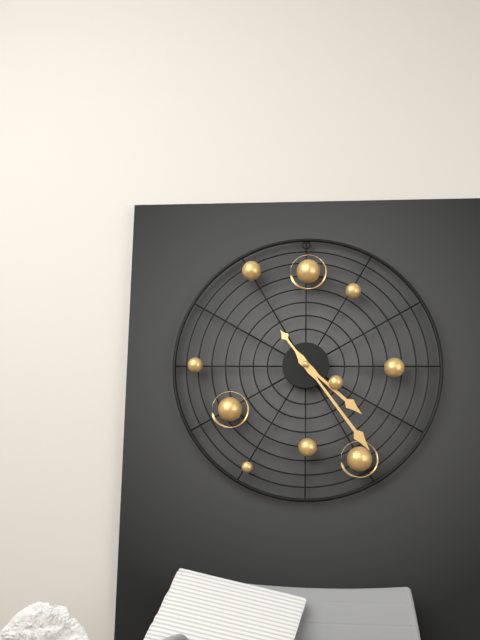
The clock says 4:24
